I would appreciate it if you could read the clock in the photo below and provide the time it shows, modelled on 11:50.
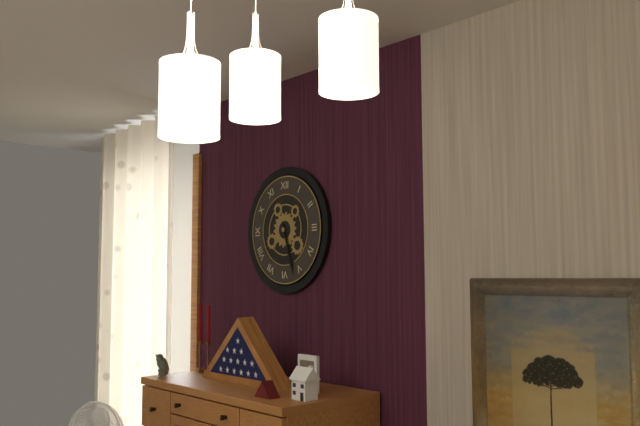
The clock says 5:27
